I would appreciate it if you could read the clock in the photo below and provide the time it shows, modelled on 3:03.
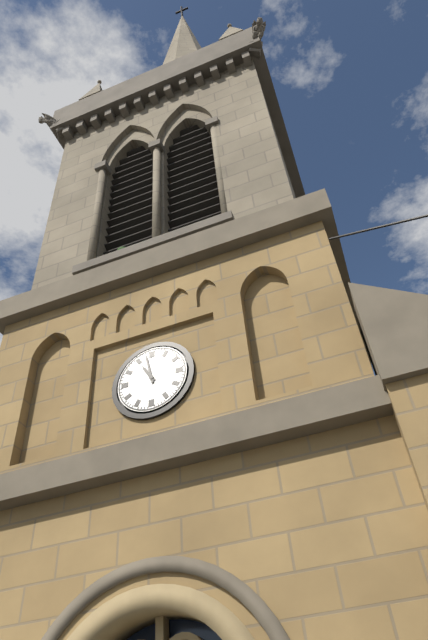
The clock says 10:58
